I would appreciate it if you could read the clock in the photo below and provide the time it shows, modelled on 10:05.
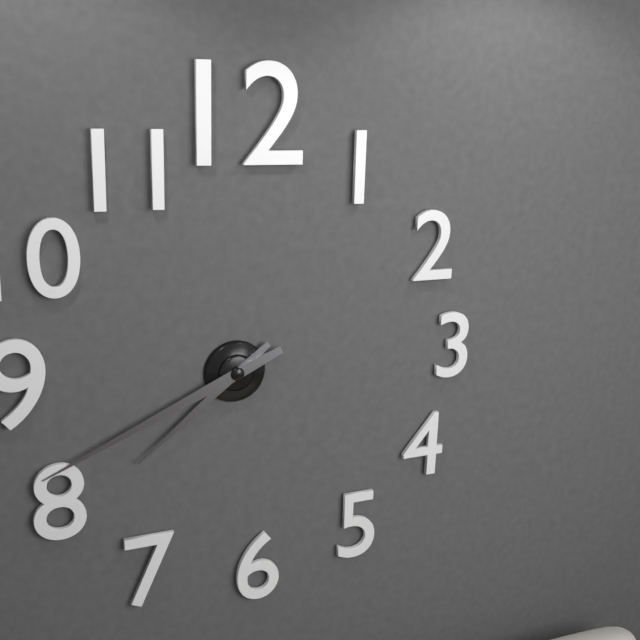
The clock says 7:41
